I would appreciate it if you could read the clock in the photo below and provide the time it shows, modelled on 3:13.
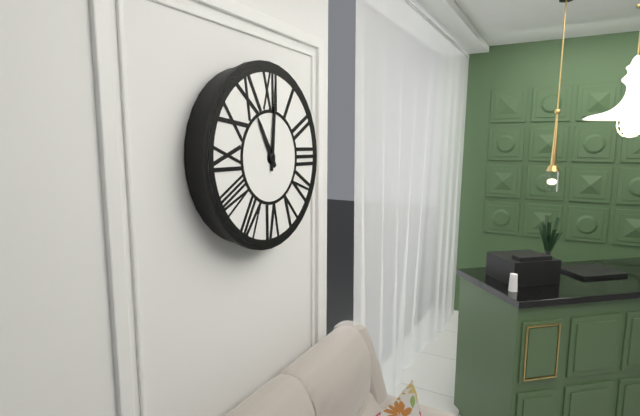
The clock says 11:01
